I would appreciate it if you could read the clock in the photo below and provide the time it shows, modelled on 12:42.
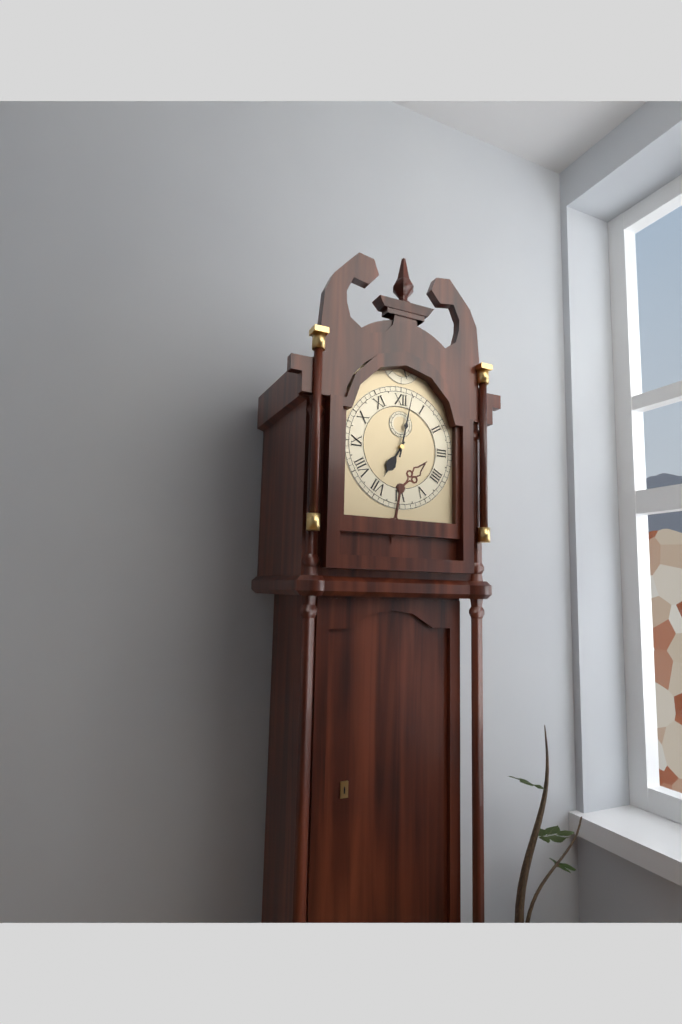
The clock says 7:02
